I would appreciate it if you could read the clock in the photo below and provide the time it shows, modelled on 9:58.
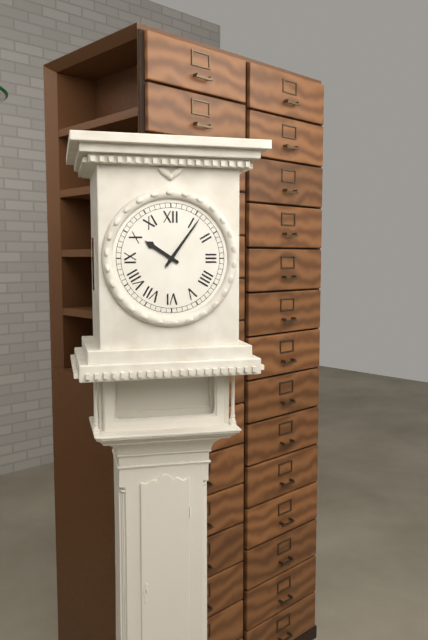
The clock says 10:06
